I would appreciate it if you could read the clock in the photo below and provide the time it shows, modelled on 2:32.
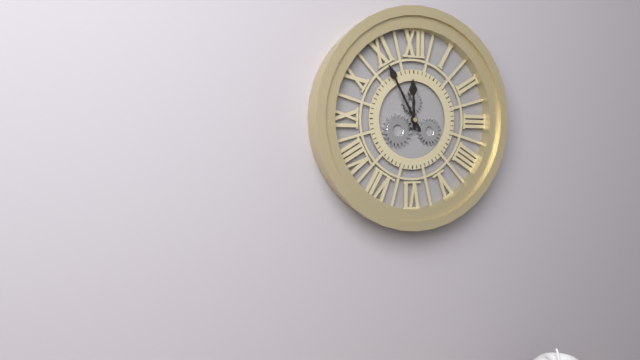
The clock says 11:55
